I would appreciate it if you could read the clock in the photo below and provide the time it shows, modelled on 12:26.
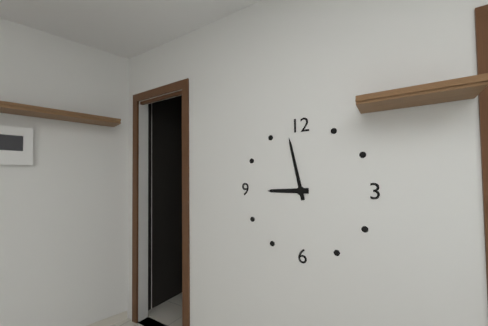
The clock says 8:58
